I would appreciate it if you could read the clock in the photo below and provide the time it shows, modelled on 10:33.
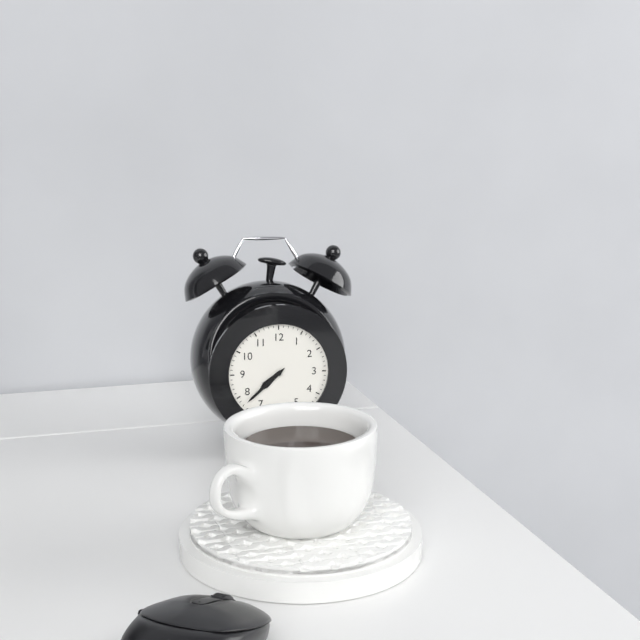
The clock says 7:38
